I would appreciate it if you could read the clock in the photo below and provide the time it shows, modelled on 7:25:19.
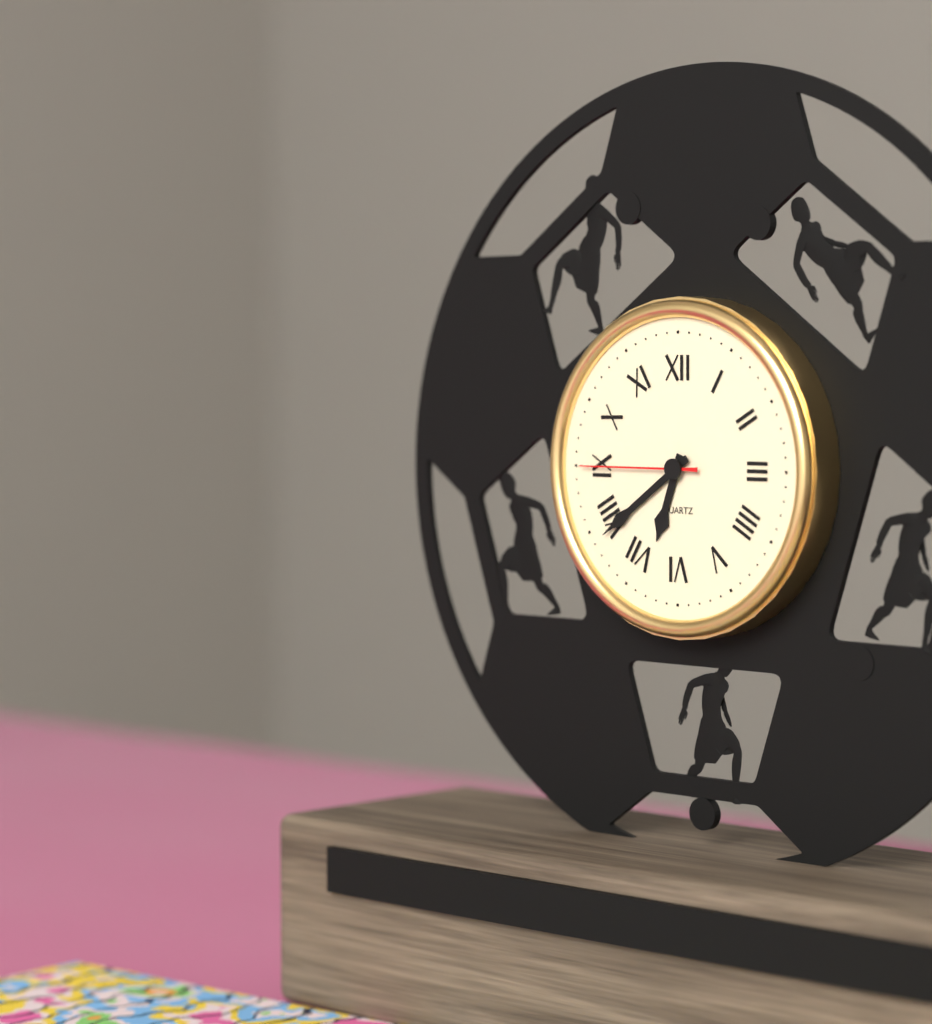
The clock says 6:39:45
